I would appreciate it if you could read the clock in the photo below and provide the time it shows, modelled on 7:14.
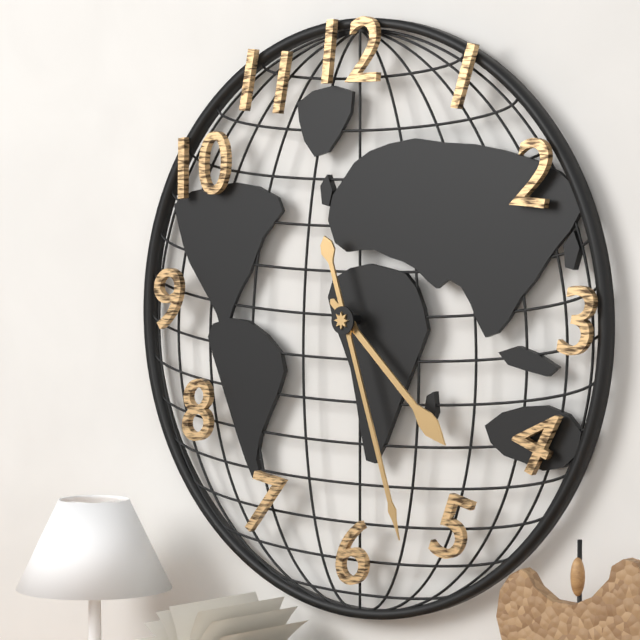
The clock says 4:27
